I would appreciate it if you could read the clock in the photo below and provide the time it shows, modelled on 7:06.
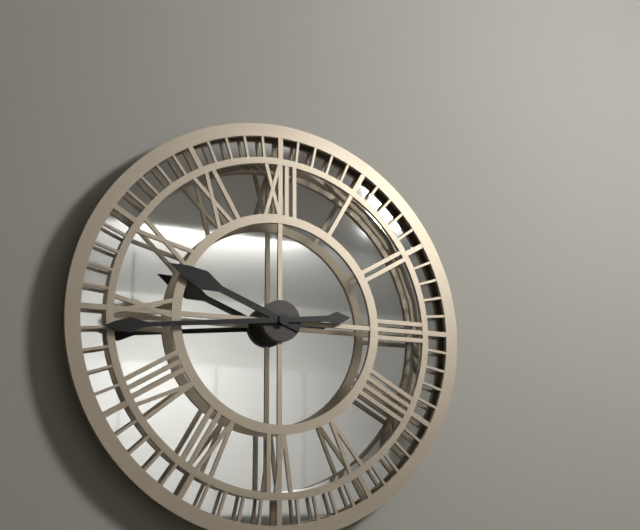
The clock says 9:44
